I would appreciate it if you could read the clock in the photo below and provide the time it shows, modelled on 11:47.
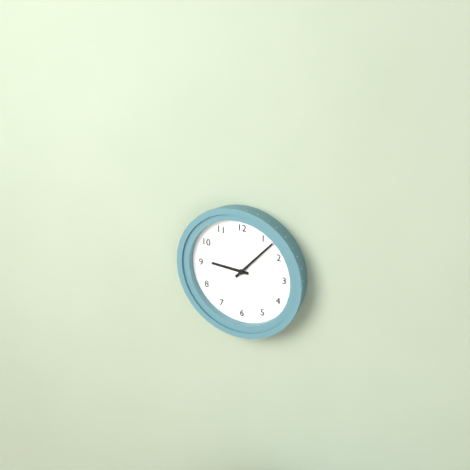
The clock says 9:07
